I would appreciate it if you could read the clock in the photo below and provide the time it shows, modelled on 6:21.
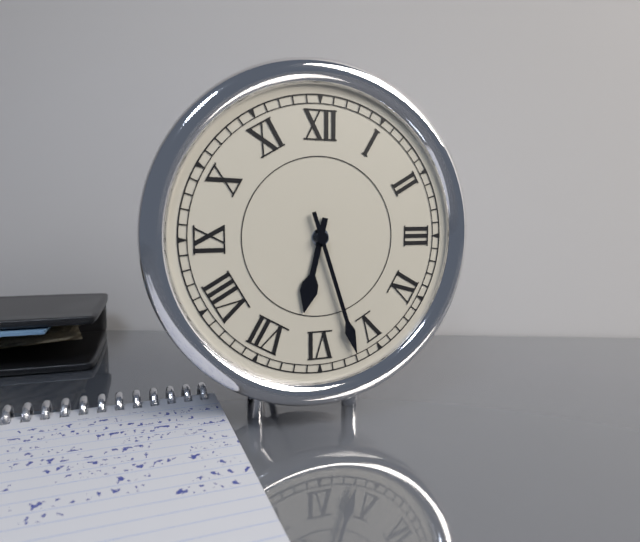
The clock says 6:27
